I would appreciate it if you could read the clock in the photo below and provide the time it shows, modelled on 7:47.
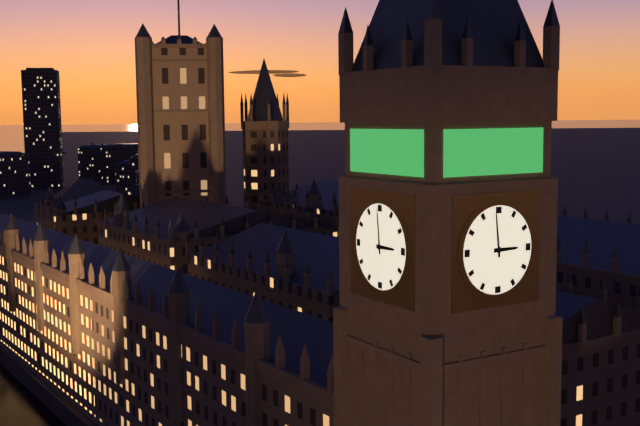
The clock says 2:59
